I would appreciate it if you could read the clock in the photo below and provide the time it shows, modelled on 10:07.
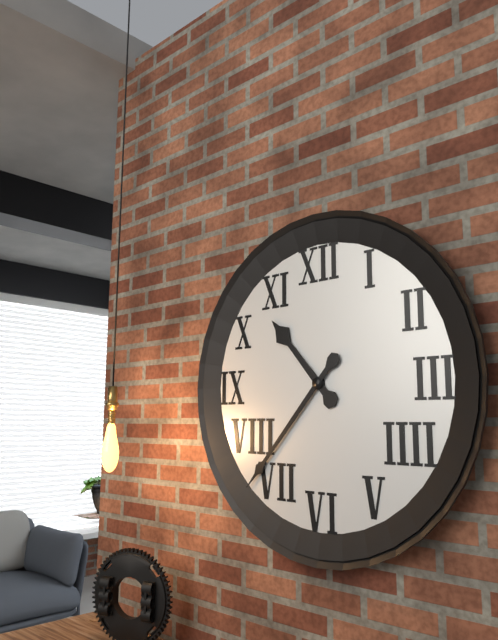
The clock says 10:37
